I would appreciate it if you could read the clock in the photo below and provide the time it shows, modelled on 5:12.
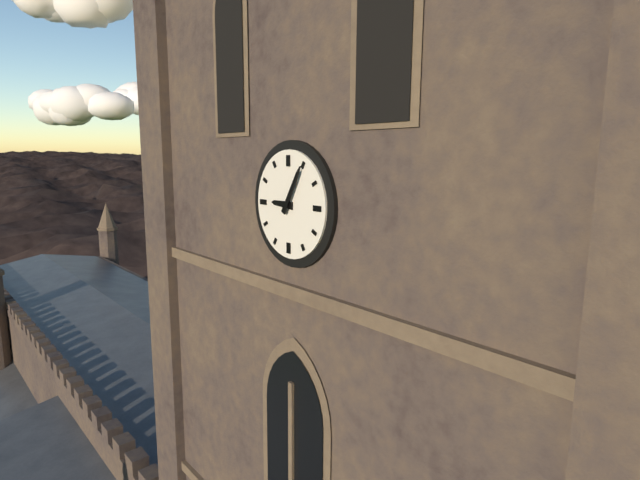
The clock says 9:05
